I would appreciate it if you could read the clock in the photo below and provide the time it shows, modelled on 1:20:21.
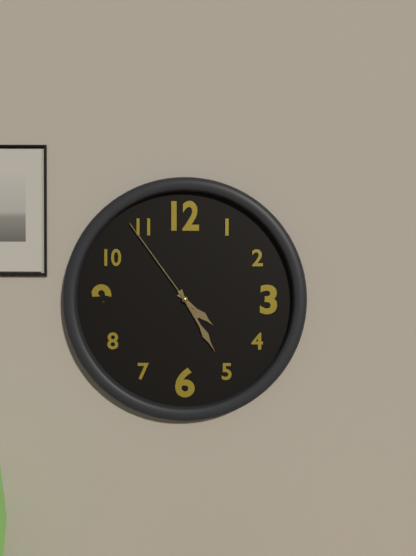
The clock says 4:25:54
